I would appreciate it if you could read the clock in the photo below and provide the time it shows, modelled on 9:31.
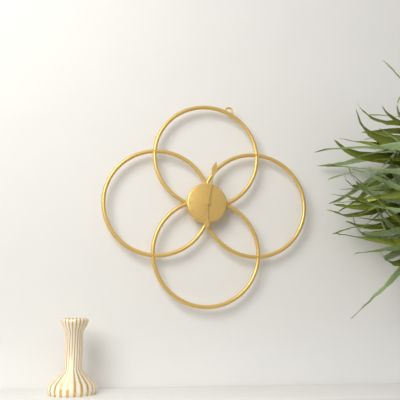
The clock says 6:02
